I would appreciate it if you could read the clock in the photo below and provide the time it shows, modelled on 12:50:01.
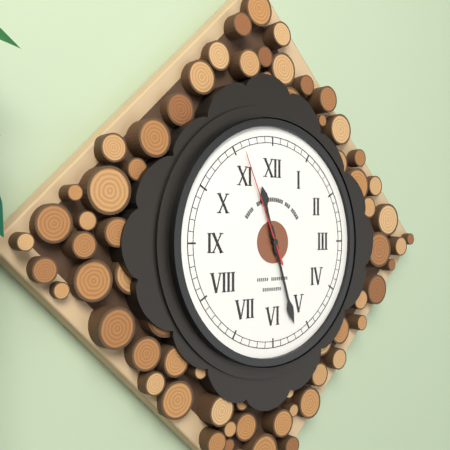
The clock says 11:27:56
